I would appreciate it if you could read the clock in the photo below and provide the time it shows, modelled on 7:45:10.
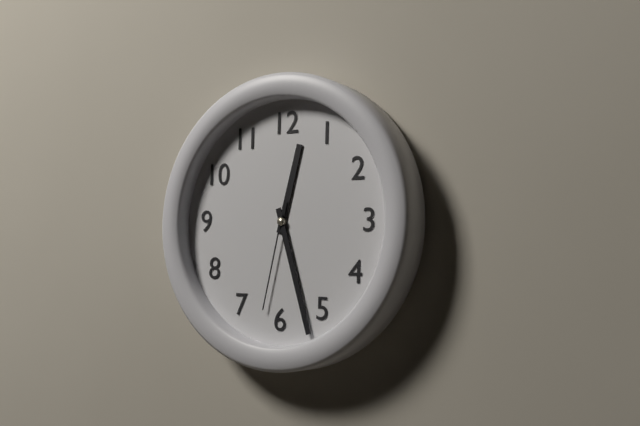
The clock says 12:27:32
